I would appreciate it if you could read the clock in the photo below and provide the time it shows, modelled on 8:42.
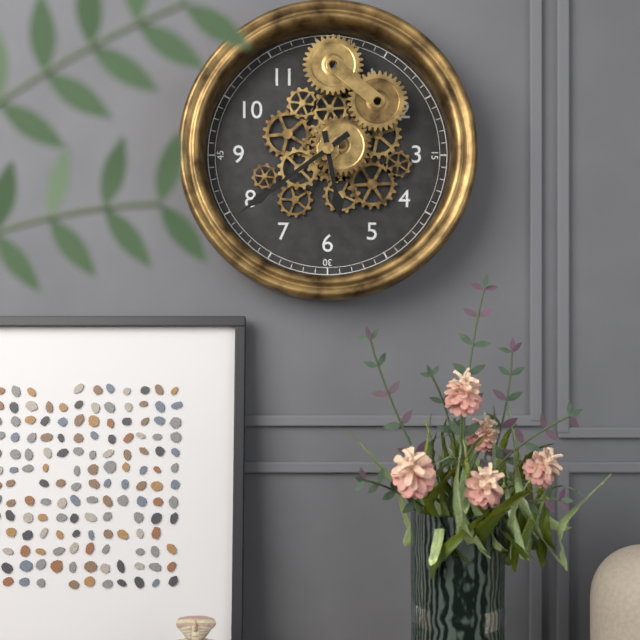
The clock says 5:39
